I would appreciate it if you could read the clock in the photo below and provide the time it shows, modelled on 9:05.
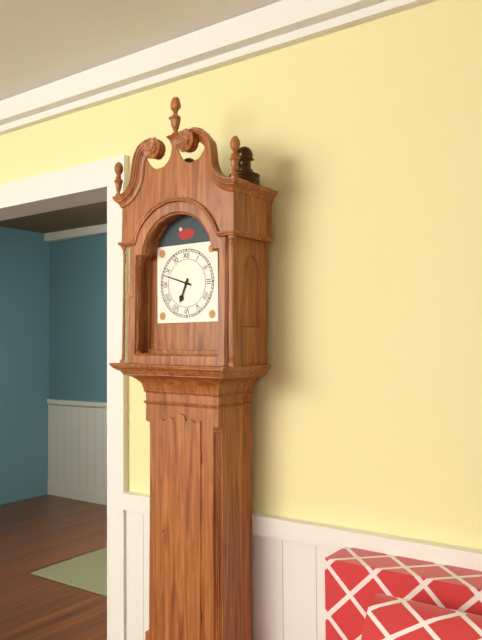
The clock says 6:48
